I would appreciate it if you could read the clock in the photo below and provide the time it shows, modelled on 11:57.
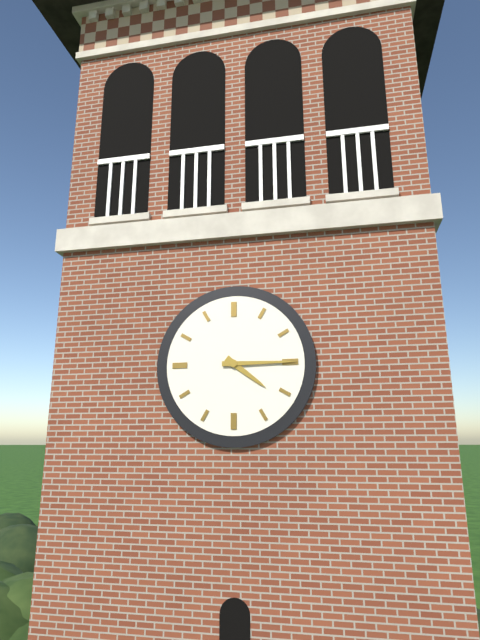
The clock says 4:15
